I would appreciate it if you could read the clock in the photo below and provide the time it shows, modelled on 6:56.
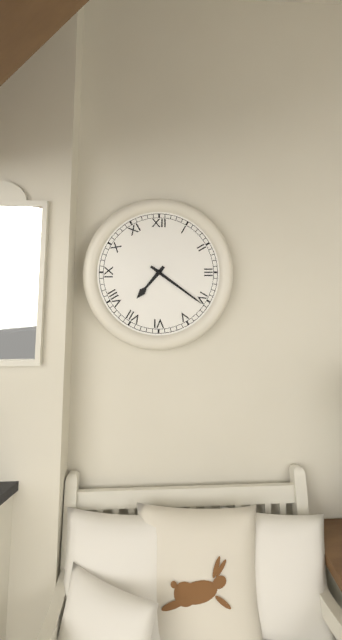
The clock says 7:21
